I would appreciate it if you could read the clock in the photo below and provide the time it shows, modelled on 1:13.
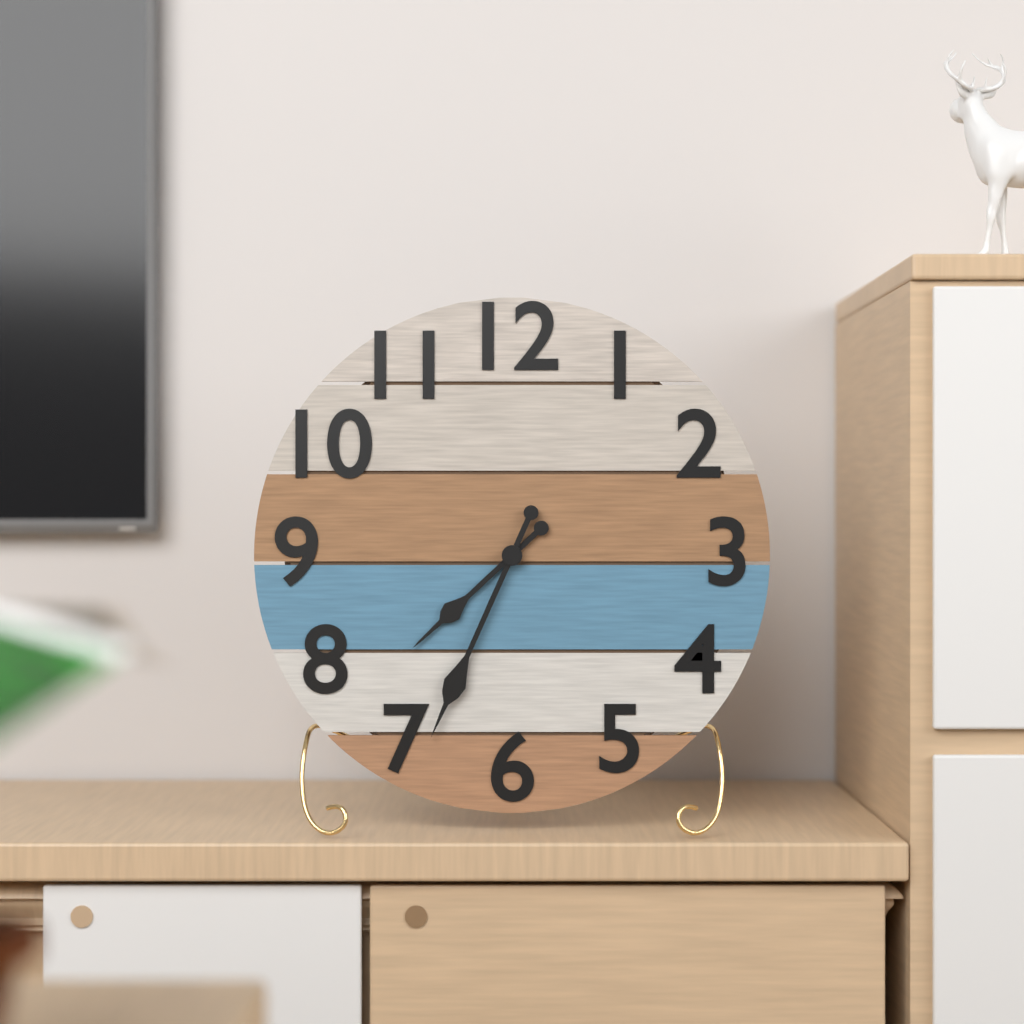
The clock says 7:34
